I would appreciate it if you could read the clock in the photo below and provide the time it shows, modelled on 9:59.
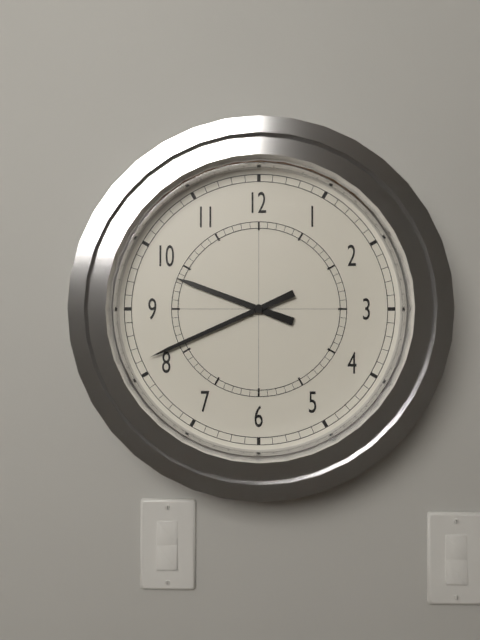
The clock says 9:41
